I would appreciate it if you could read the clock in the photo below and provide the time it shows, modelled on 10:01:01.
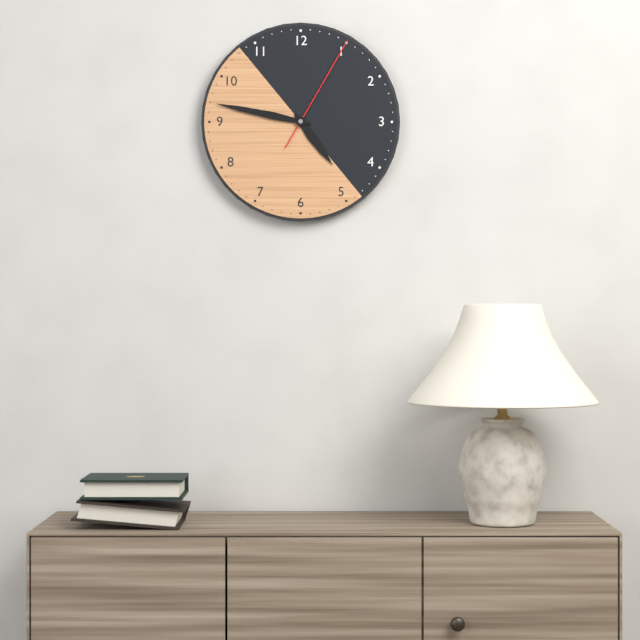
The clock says 4:47:05
